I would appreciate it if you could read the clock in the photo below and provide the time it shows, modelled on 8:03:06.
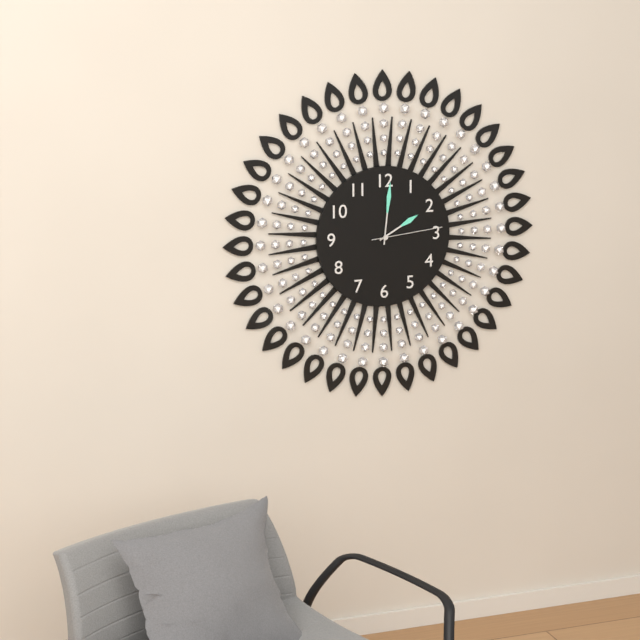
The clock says 2:01:14
